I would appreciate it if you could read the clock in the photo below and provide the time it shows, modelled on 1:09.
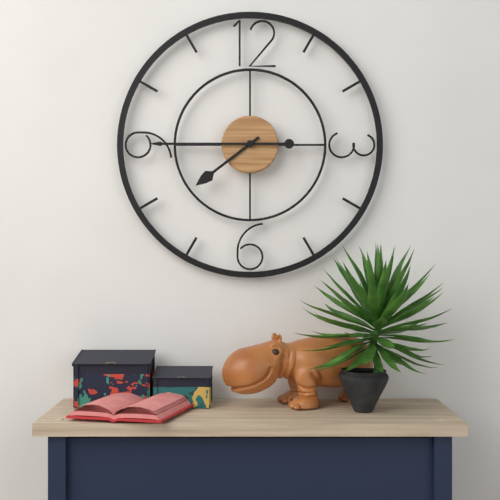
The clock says 7:45
